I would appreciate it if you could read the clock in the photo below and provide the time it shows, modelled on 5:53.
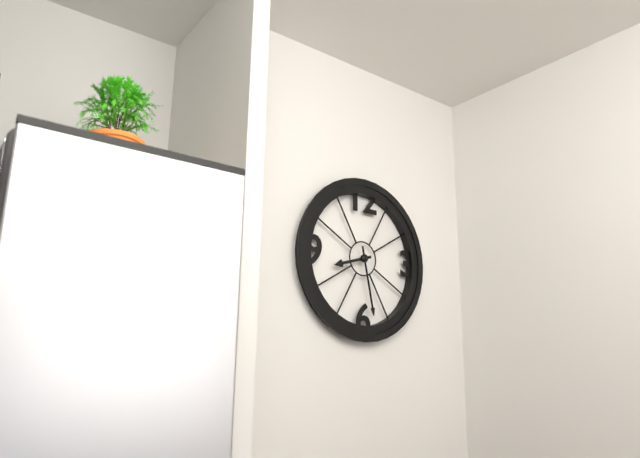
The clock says 8:28
